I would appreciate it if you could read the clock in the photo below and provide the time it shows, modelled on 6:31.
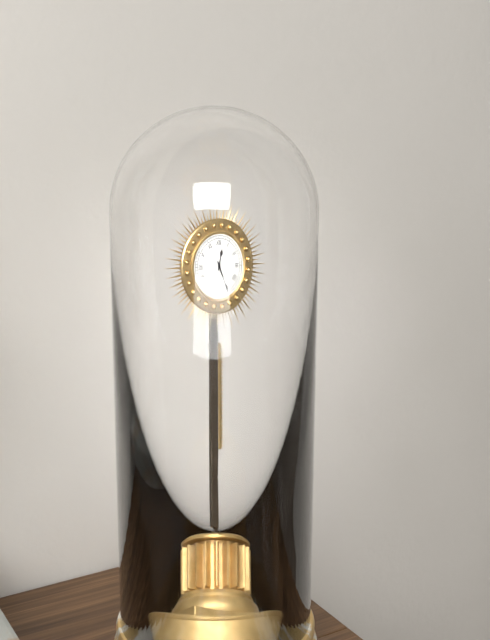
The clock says 12:26
